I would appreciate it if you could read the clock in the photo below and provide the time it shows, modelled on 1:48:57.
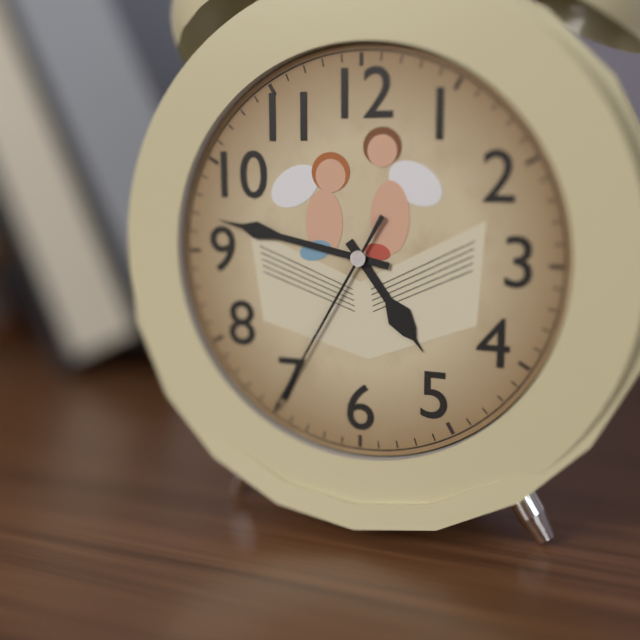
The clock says 4:47:35
